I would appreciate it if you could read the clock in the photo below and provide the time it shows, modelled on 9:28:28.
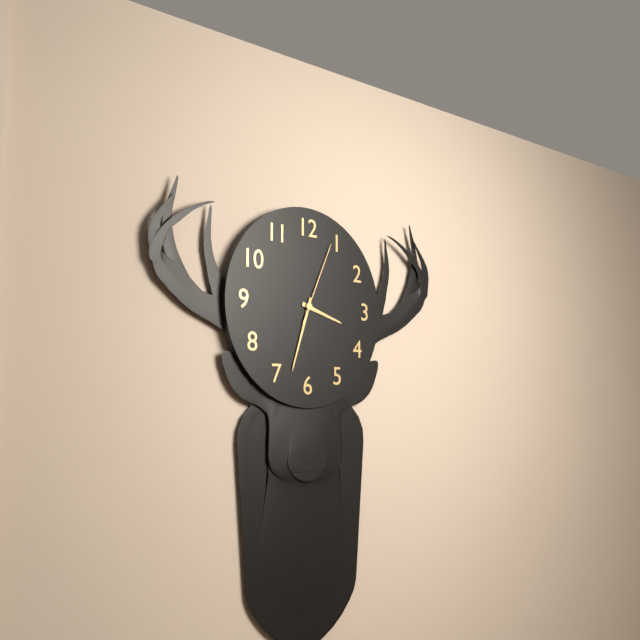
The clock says 3:33:04
